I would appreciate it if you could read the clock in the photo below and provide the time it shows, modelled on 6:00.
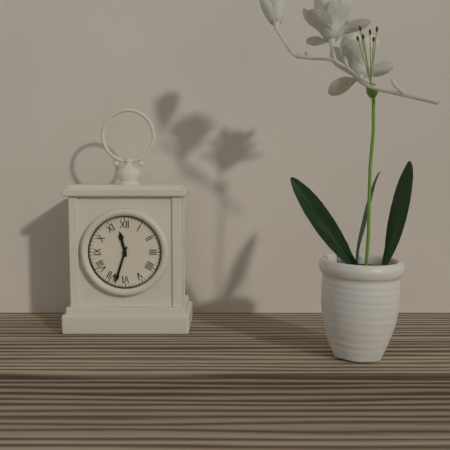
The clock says 11:33
